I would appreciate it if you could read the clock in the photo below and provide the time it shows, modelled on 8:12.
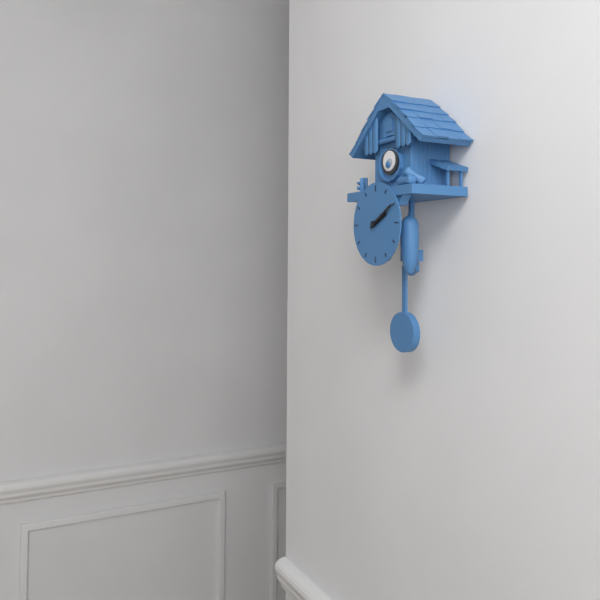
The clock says 2:10
